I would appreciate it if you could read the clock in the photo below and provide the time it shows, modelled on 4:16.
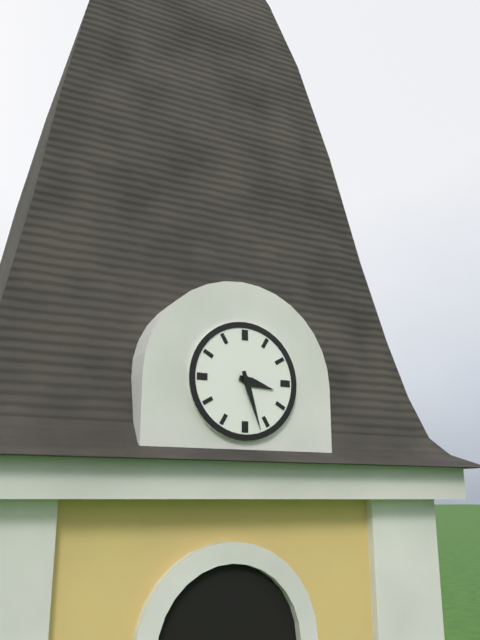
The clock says 3:27
